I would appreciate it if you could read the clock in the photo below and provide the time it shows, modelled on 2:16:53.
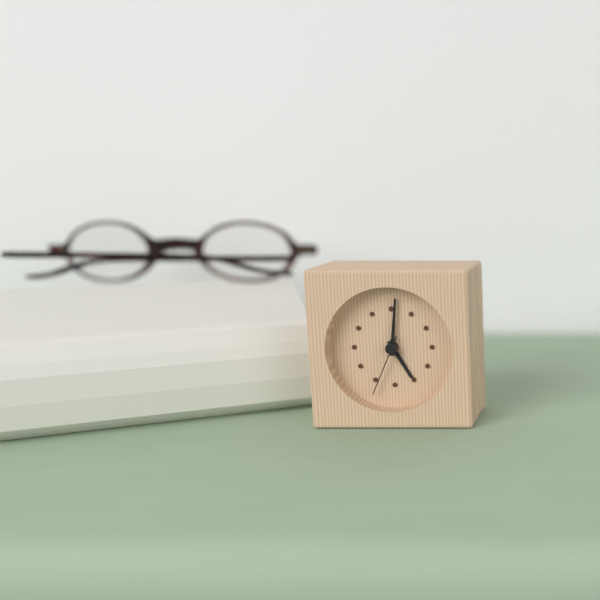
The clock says 5:01:34
